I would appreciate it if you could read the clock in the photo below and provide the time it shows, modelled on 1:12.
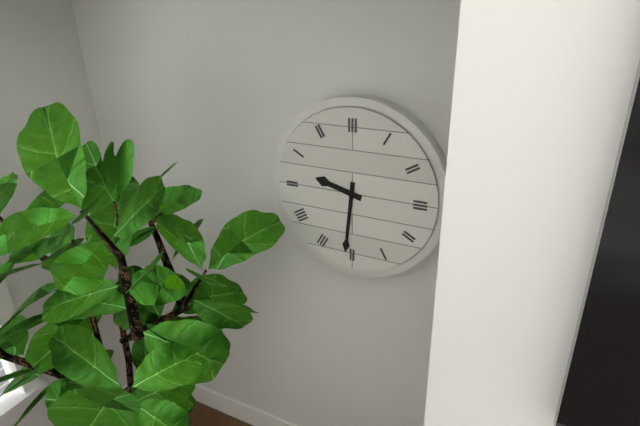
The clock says 9:31
